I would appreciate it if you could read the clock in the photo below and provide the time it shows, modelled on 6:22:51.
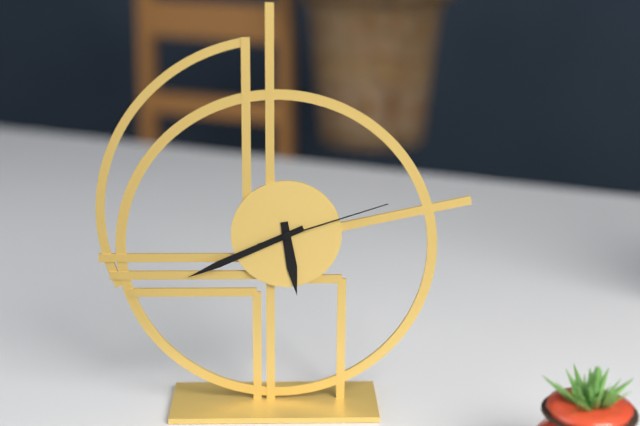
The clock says 5:41:12
